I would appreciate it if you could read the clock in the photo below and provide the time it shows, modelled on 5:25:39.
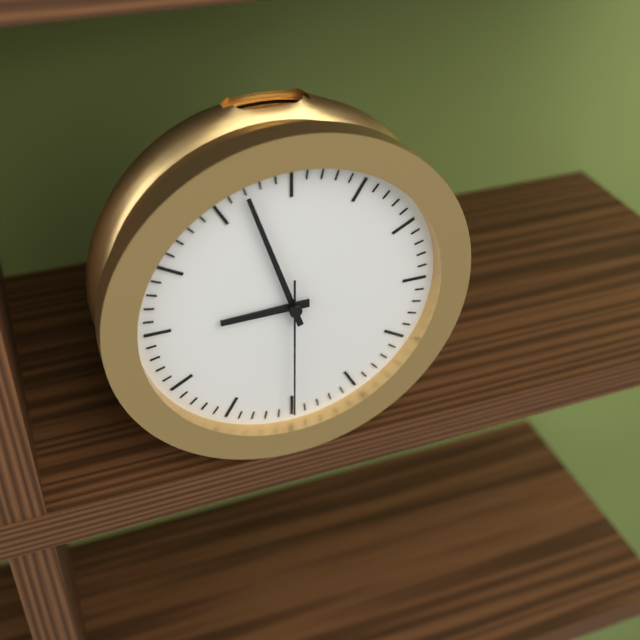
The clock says 8:57:30
